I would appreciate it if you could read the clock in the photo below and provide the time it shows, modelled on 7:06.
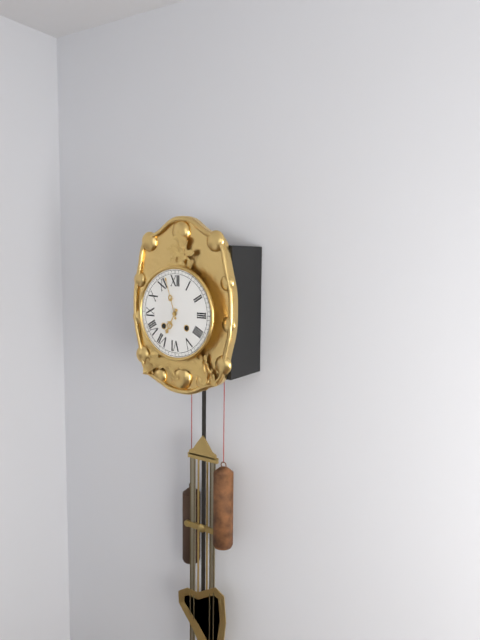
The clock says 6:57
